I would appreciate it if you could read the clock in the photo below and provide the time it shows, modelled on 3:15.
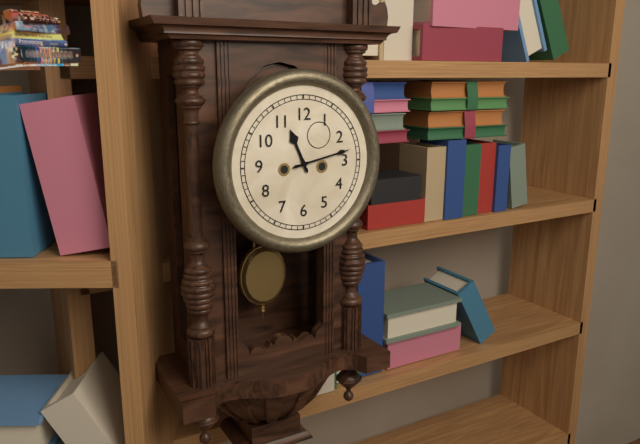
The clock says 11:13
